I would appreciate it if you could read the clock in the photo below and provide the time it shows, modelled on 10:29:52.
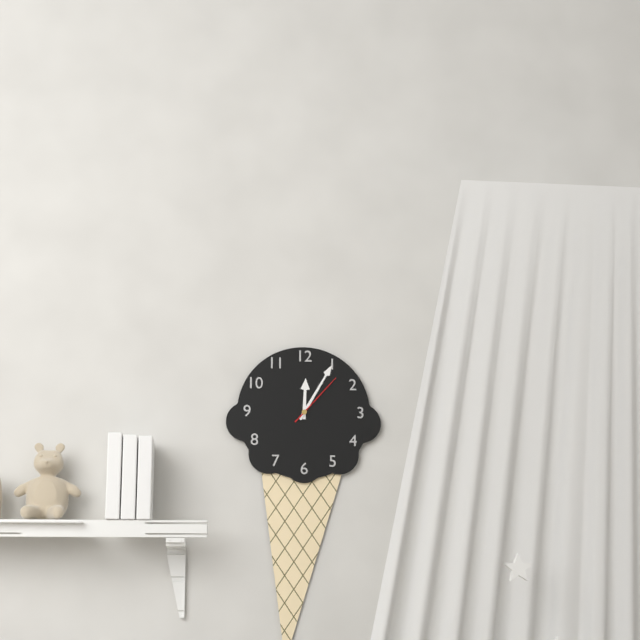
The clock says 12:05:07
